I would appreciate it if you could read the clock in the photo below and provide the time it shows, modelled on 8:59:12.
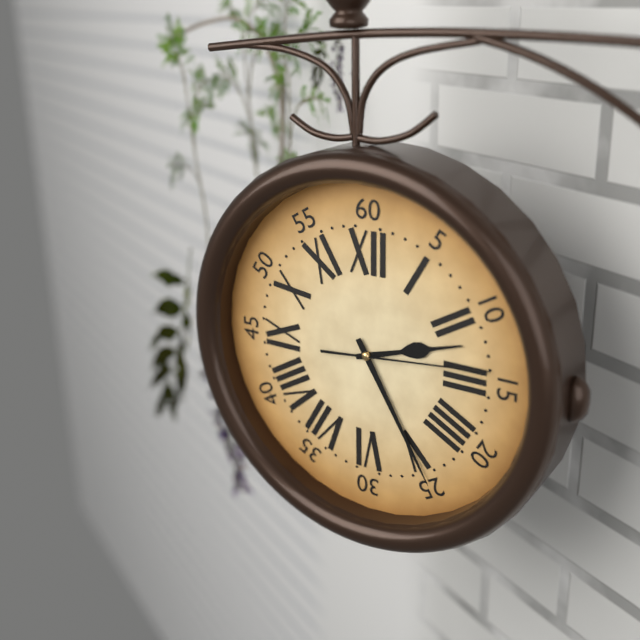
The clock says 2:25:14
